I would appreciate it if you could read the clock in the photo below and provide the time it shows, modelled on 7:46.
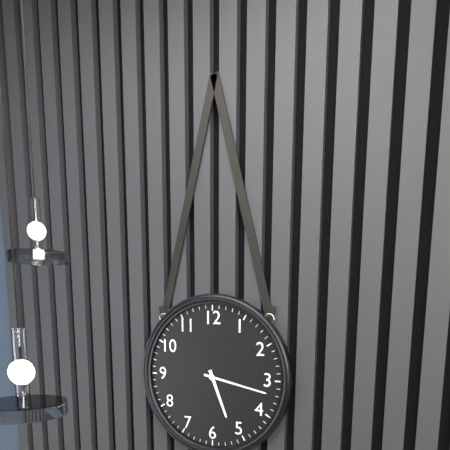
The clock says 5:17
